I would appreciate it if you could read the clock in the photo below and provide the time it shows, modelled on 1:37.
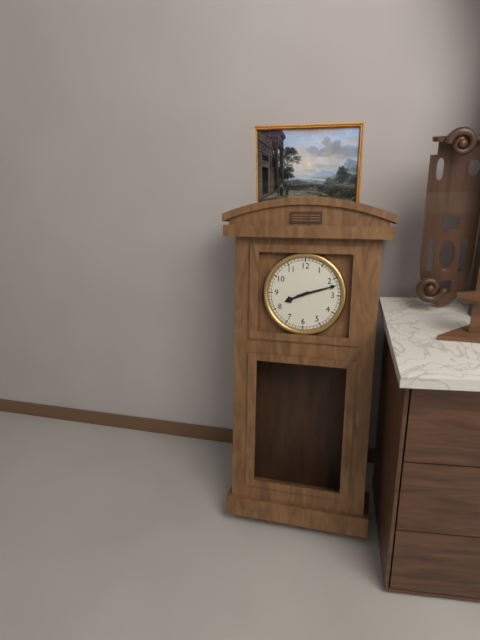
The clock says 8:12
